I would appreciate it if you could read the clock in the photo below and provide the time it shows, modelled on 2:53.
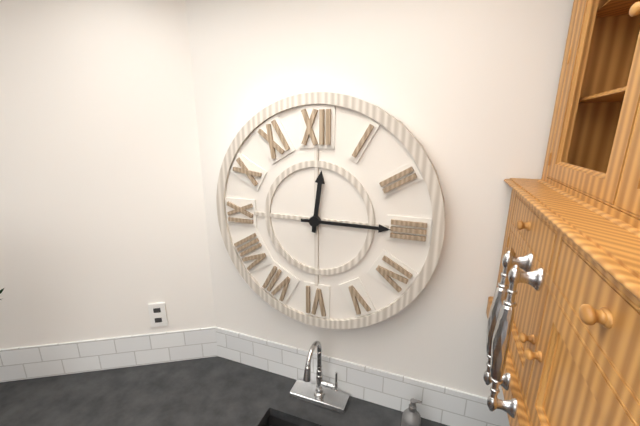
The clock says 12:15
